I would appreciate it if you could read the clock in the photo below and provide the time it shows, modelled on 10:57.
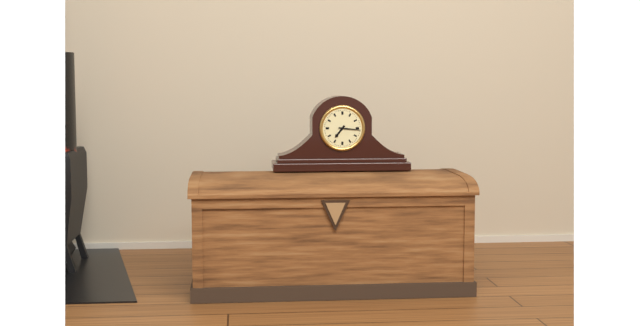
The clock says 7:16
